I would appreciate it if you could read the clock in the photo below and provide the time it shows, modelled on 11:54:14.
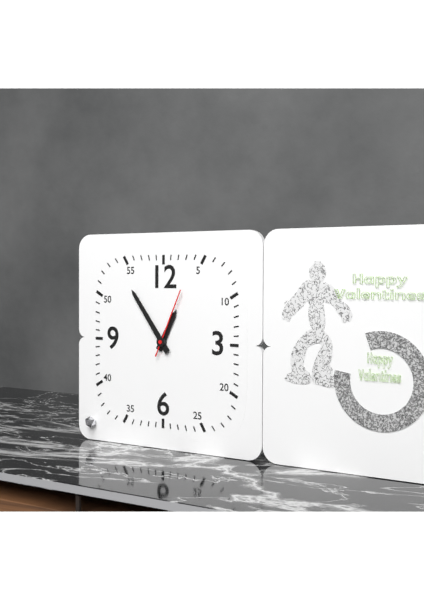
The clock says 12:54:04
